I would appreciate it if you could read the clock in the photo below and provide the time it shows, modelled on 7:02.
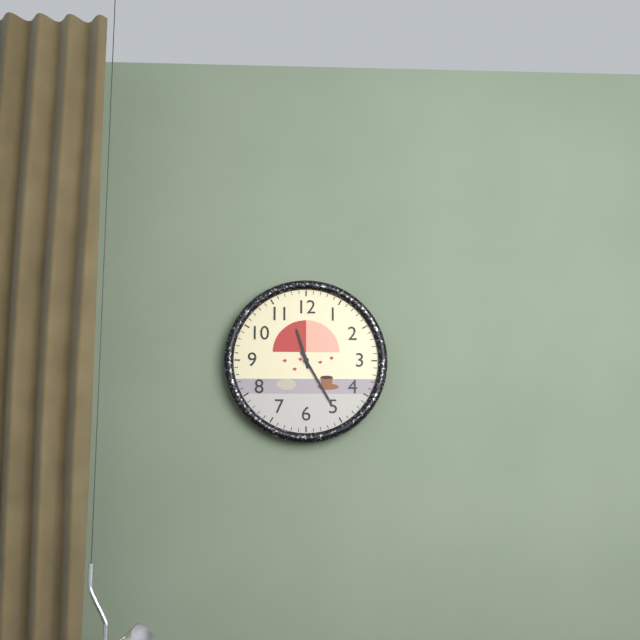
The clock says 11:25
